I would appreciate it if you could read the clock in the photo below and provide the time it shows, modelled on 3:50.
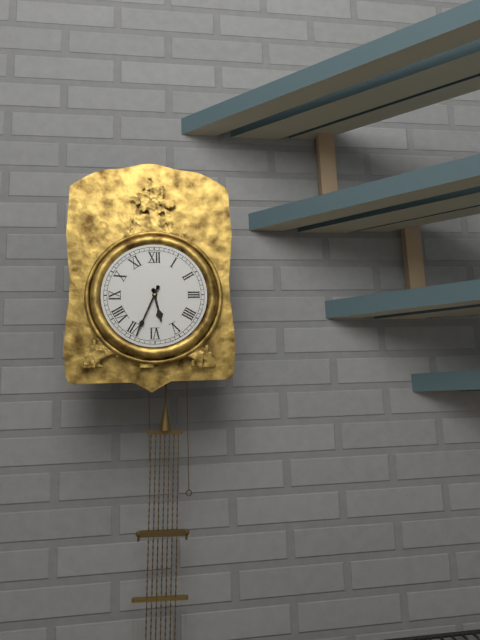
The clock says 5:34
